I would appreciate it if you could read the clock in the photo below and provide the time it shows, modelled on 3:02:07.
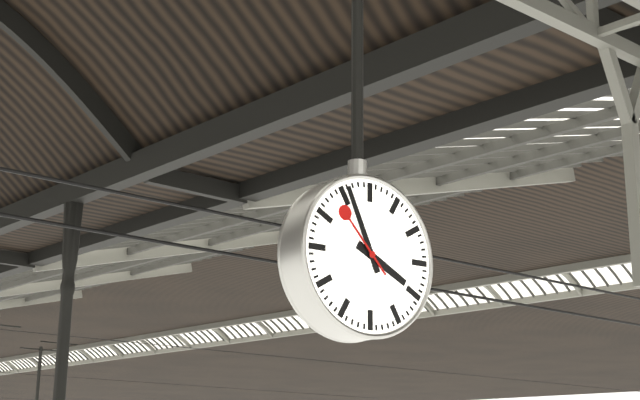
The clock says 3:56:53
